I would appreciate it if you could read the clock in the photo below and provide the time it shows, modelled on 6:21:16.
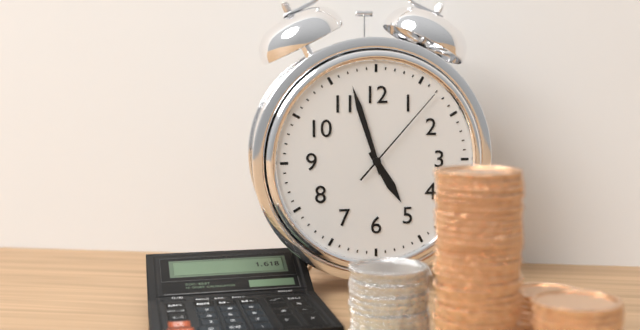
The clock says 4:57:07
